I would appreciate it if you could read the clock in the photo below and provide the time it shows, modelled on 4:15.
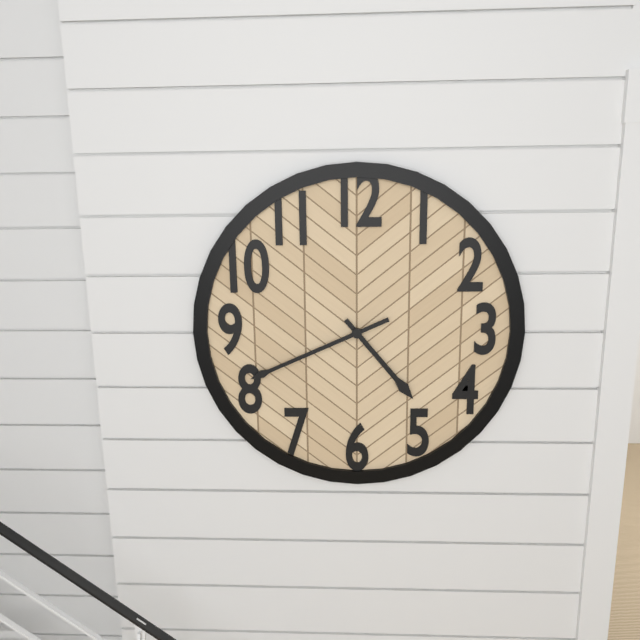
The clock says 4:41
